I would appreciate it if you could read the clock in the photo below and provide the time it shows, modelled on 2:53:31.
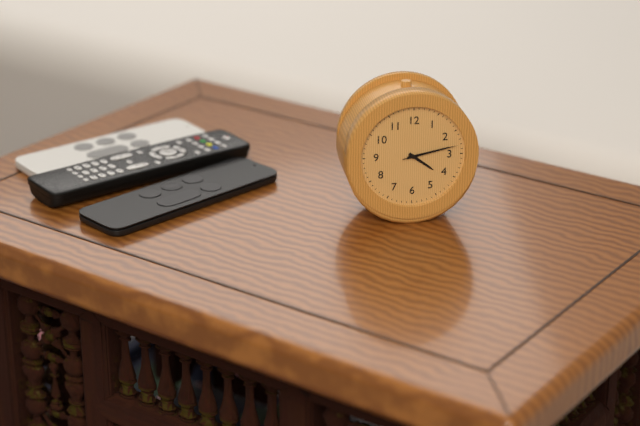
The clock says 4:13:13
